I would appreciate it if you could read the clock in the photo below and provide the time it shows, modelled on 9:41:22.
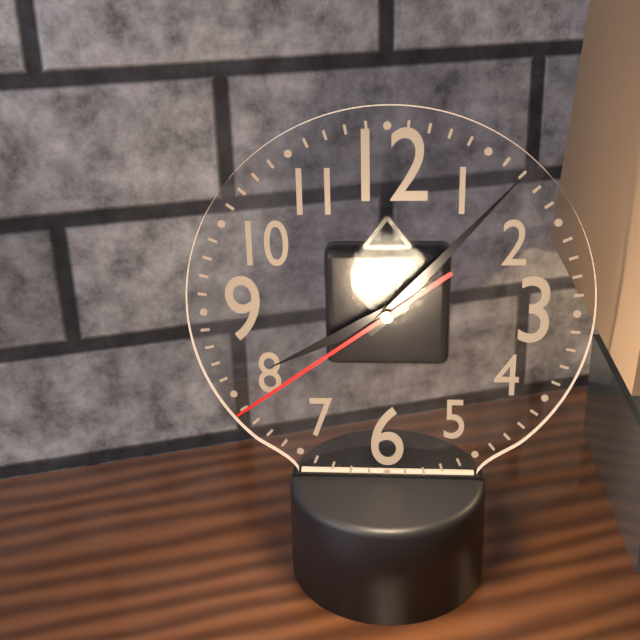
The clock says 8:07:39
